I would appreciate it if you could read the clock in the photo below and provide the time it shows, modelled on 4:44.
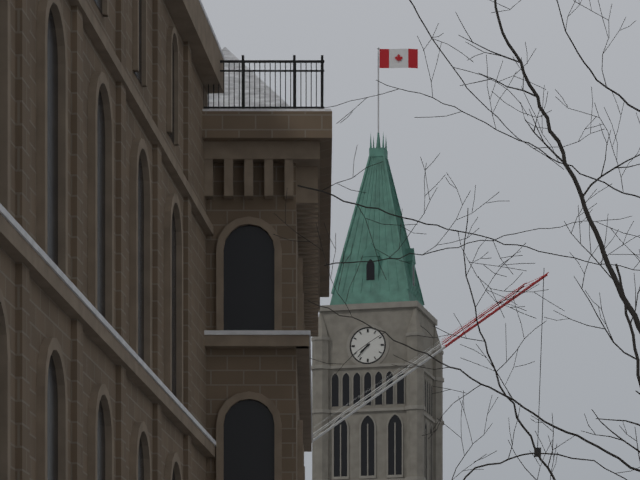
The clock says 7:37
